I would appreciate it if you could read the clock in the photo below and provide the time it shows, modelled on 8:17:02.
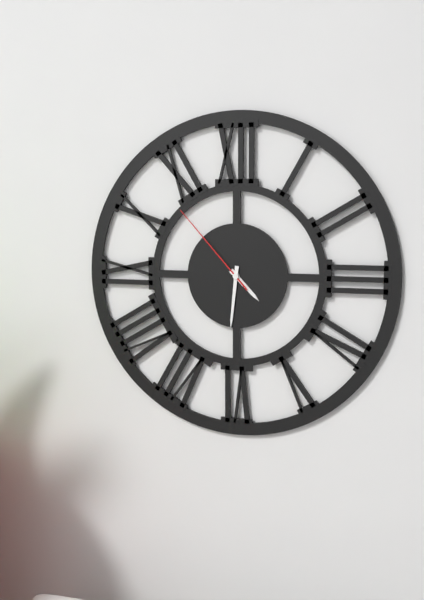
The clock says 4:31:53
